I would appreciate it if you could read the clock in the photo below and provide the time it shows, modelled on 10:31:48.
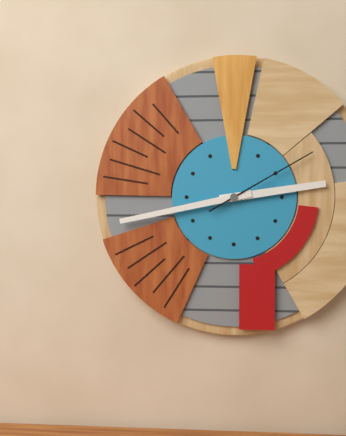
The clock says 2:43:10
